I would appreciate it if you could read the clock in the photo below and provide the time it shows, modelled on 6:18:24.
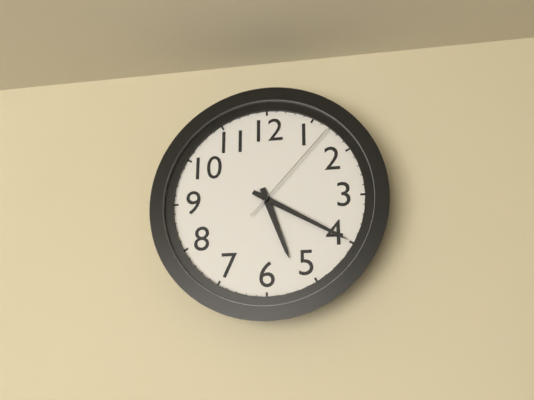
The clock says 5:20:07
